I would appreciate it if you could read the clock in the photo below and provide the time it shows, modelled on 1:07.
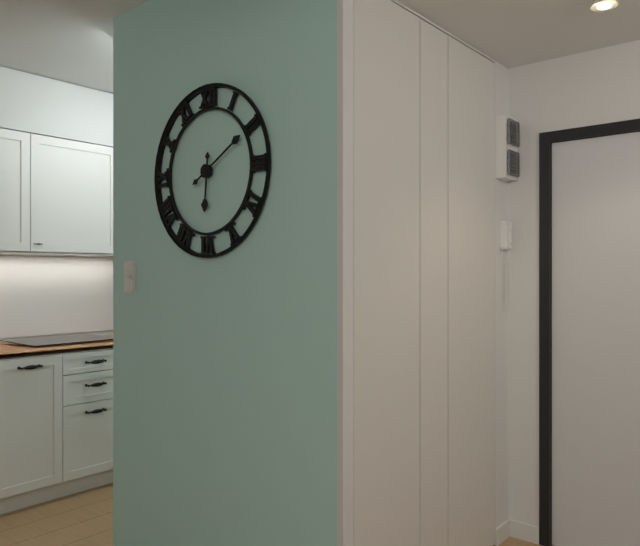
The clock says 6:10
